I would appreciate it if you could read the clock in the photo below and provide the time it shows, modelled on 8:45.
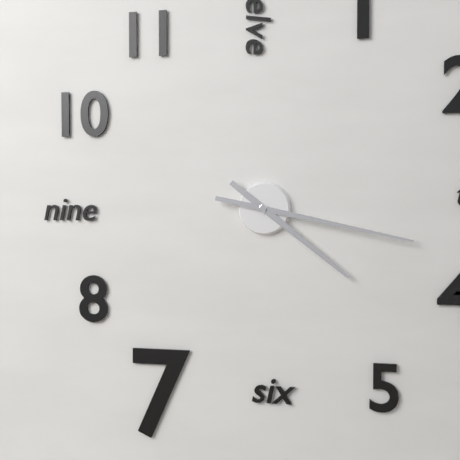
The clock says 4:17
